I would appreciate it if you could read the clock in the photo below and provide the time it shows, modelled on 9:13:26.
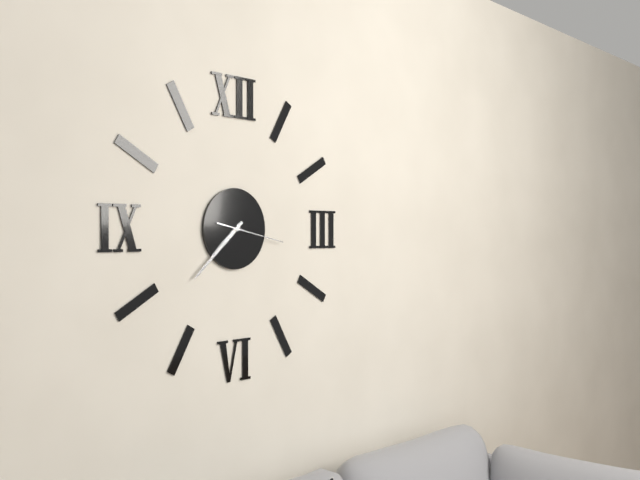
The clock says 7:38:17
